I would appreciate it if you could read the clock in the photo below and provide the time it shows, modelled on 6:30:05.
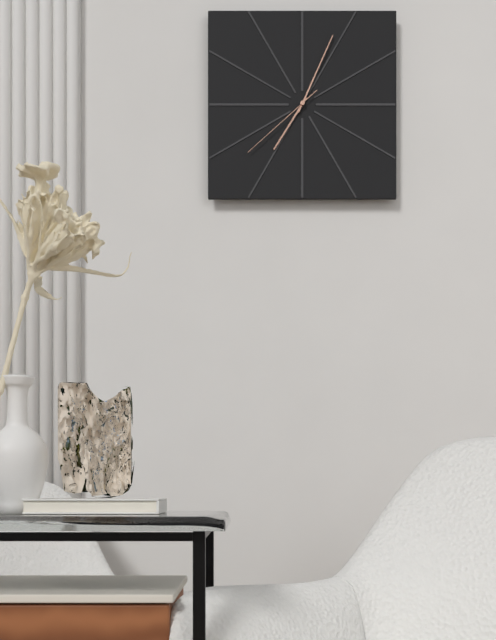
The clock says 7:04:38
